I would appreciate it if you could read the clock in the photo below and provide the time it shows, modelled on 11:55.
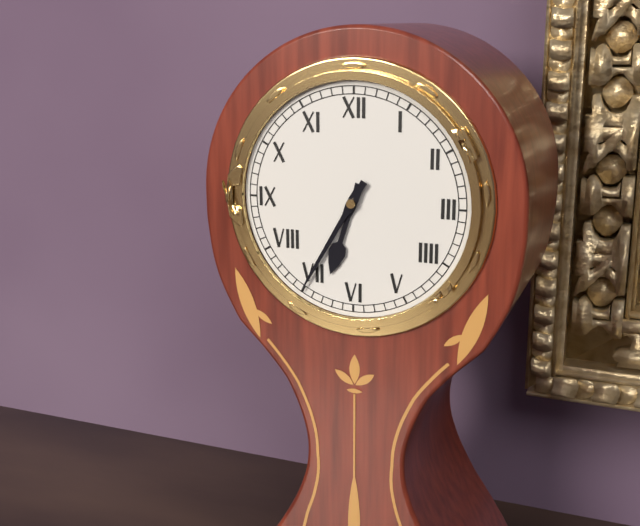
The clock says 6:35
